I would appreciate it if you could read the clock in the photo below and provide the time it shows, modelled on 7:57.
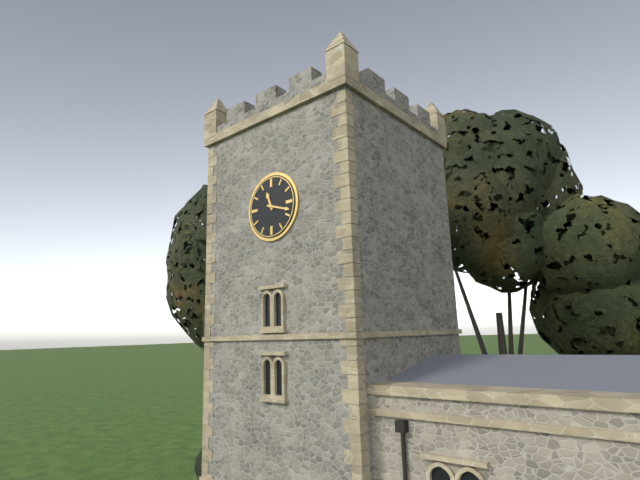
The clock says 11:18
